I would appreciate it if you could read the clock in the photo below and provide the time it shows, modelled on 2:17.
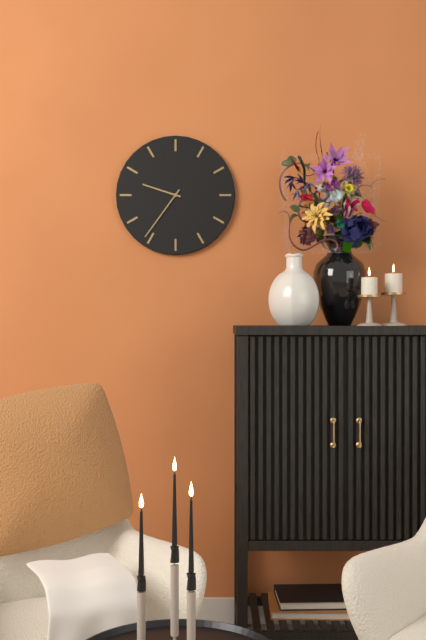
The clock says 9:36
